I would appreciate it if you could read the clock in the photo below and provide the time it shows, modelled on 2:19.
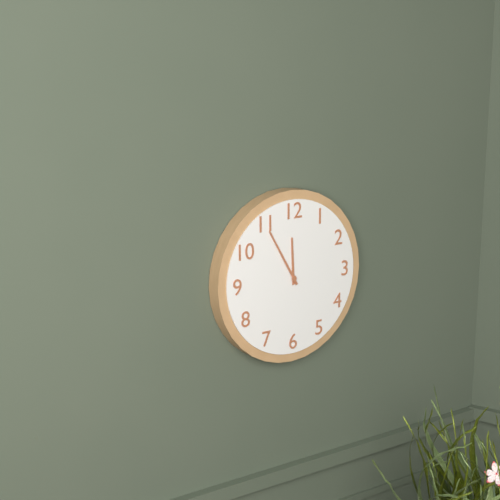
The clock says 11:55
